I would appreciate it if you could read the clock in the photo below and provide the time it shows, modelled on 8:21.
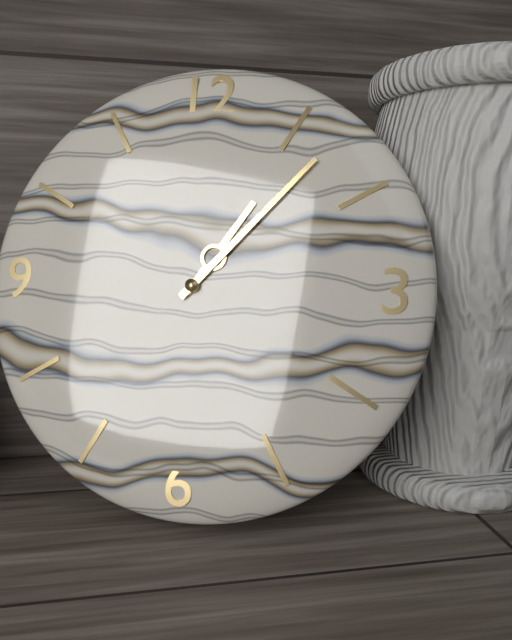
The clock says 1:07
